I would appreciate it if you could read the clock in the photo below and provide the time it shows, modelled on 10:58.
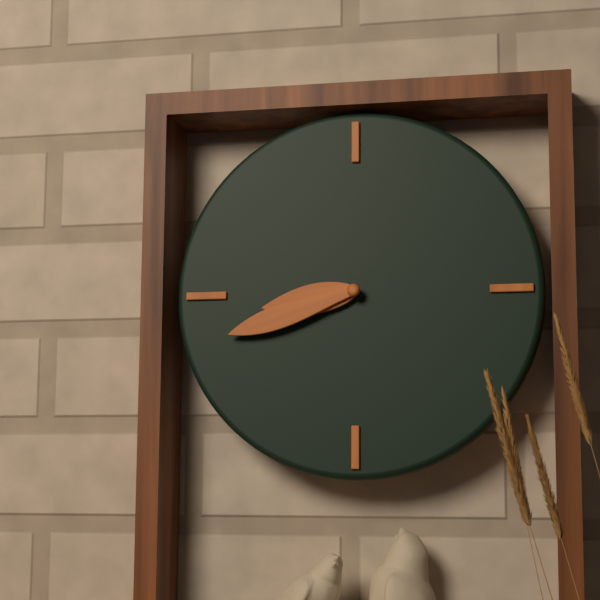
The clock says 8:42
